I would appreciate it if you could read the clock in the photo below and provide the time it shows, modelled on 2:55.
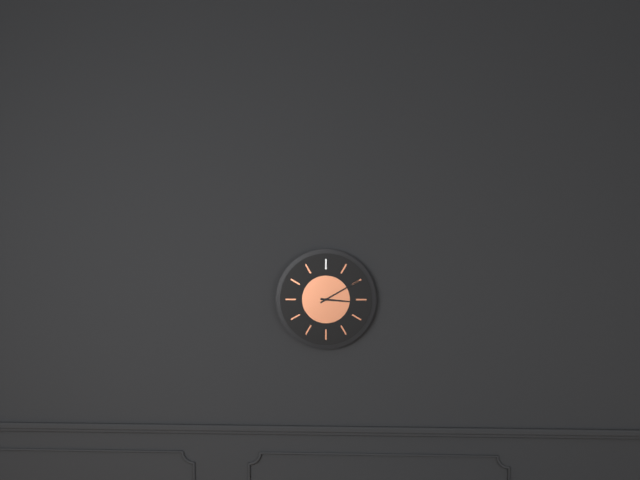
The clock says 3:10
